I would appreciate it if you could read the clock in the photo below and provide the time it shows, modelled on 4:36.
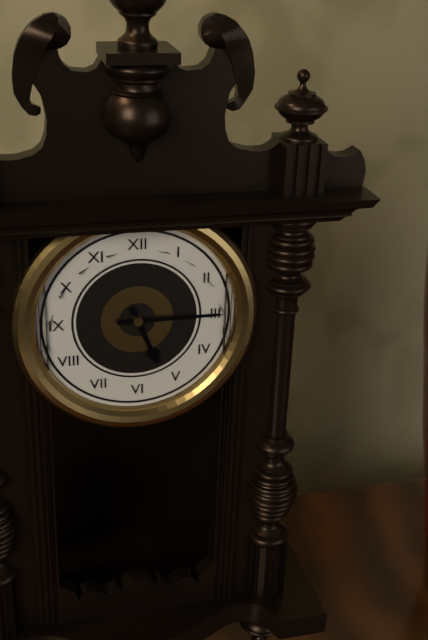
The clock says 5:15
